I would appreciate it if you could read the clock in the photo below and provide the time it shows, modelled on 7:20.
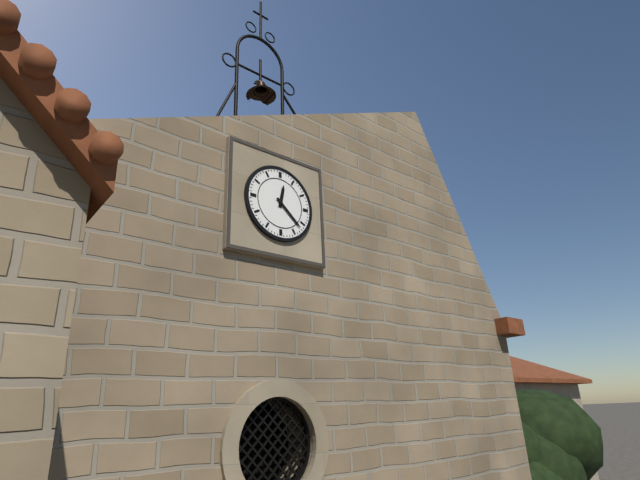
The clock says 12:22
